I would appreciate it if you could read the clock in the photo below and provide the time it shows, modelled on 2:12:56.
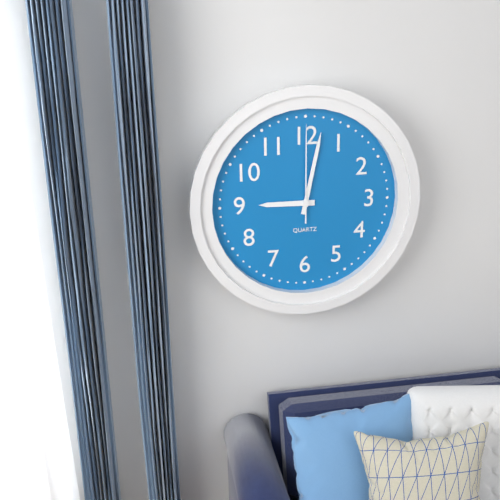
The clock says 9:02:00
